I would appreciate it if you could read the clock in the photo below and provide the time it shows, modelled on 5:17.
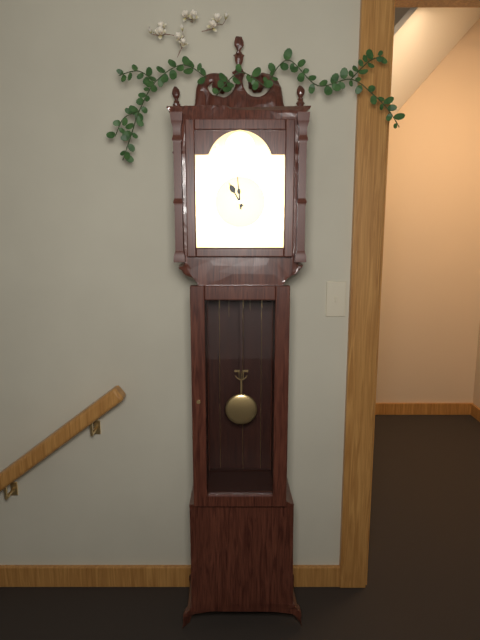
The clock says 10:59
